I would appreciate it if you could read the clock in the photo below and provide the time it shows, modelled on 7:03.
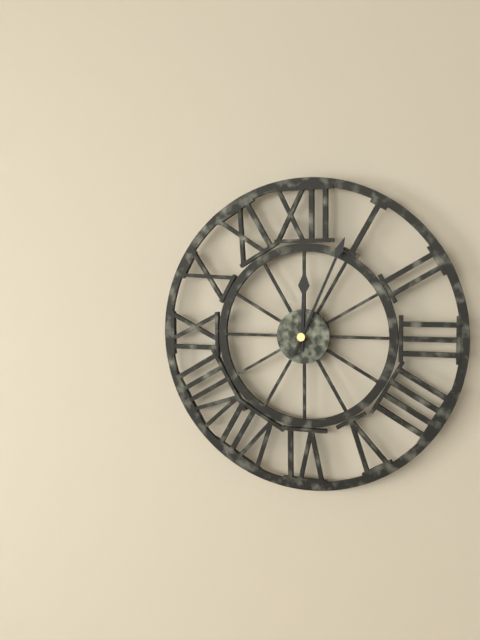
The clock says 12:04
